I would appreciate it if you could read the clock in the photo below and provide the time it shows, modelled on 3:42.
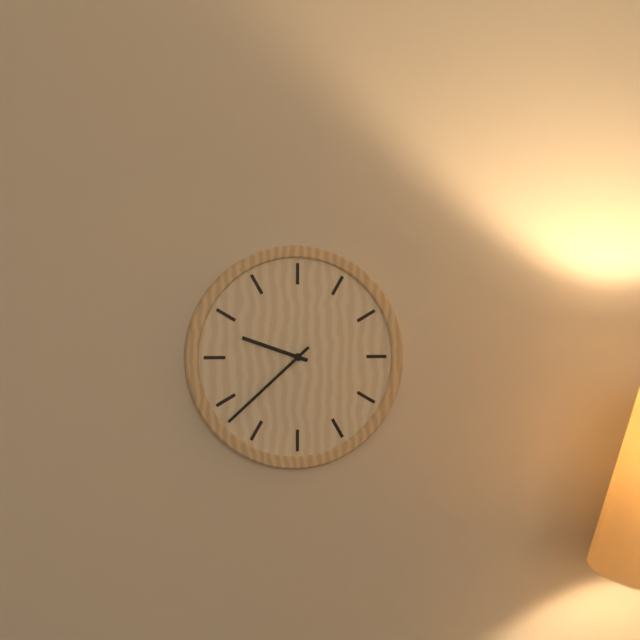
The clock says 9:38
